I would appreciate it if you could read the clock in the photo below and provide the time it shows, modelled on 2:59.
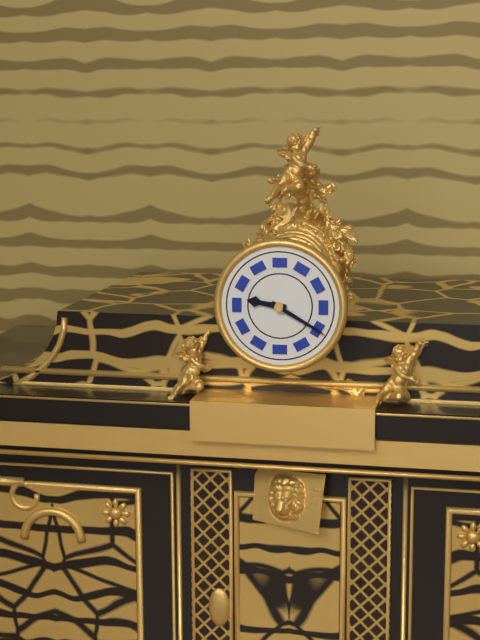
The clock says 9:20
